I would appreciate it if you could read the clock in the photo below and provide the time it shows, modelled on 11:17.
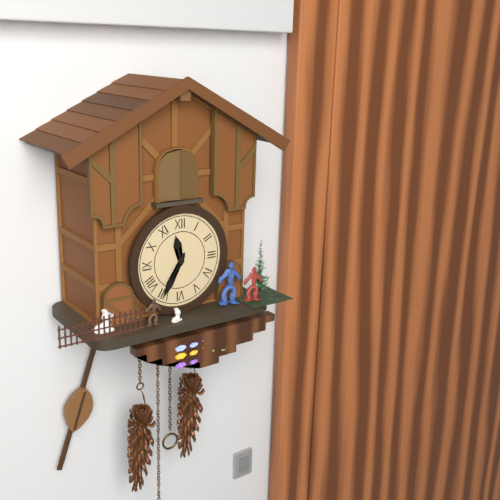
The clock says 11:35
